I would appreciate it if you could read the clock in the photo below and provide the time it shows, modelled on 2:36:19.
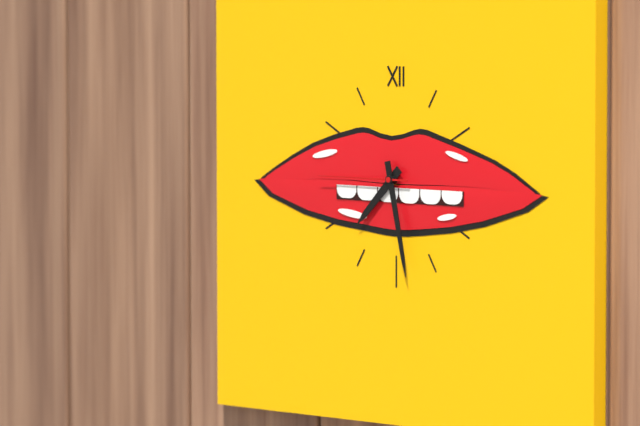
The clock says 7:28:45
